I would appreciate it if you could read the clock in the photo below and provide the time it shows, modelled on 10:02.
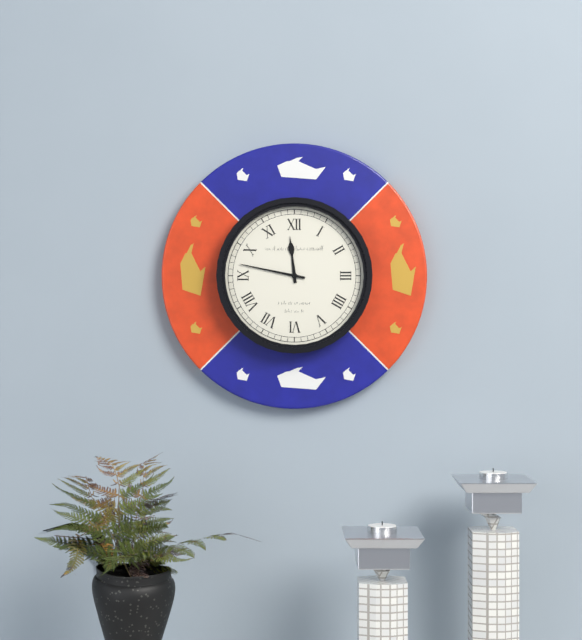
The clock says 11:47
